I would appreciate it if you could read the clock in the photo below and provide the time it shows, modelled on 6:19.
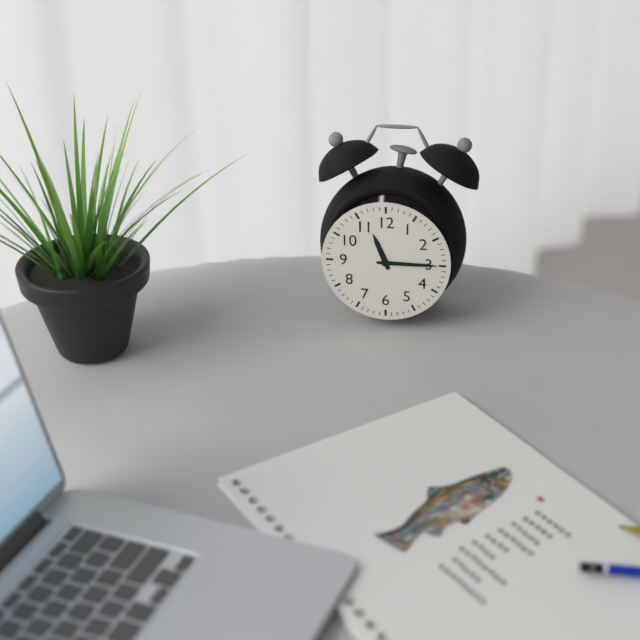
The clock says 11:15
